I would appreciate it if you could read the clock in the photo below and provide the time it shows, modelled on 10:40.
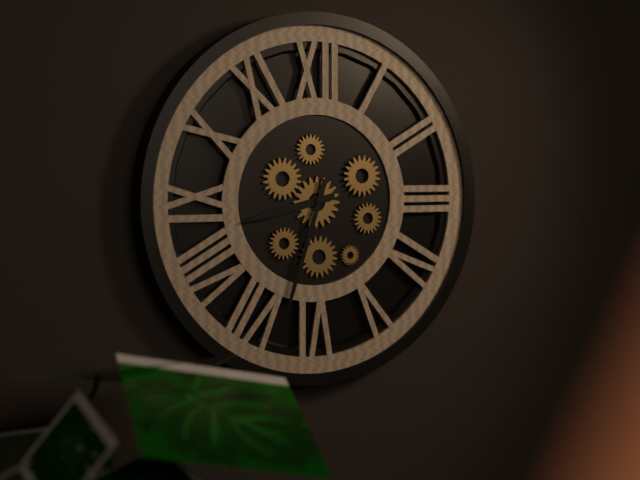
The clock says 8:33
